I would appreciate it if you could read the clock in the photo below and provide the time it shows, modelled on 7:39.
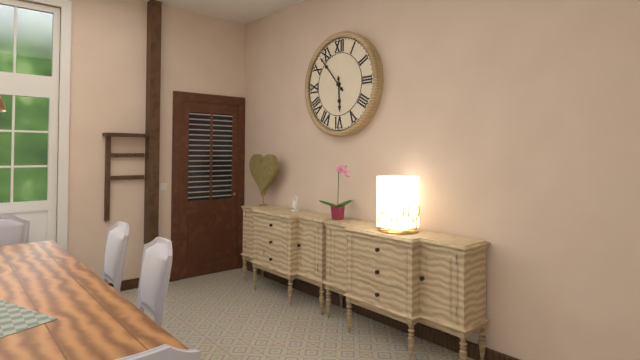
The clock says 5:53
